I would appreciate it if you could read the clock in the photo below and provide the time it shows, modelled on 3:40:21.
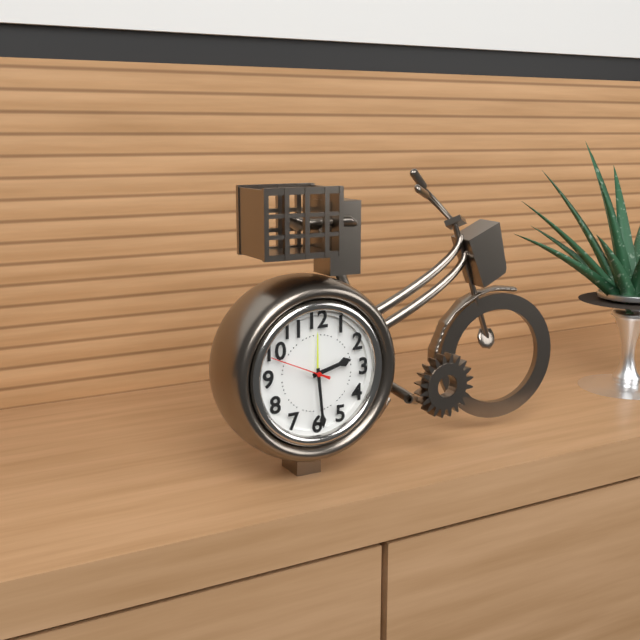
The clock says 2:29:49
